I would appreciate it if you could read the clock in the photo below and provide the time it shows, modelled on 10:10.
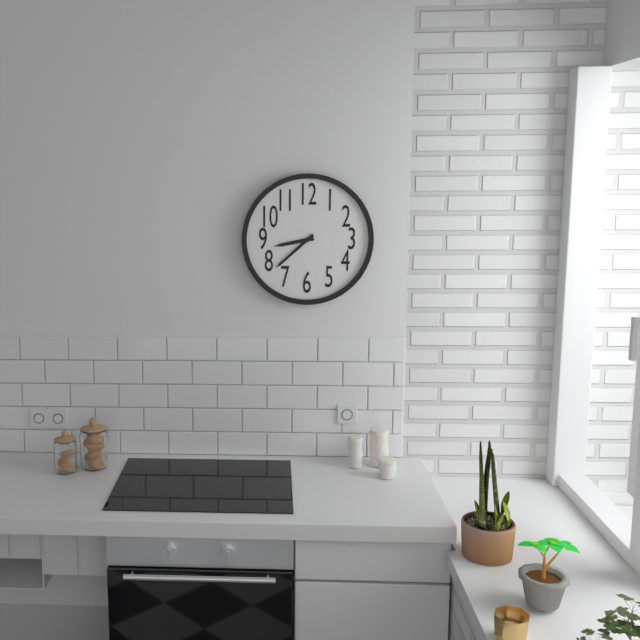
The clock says 8:38
